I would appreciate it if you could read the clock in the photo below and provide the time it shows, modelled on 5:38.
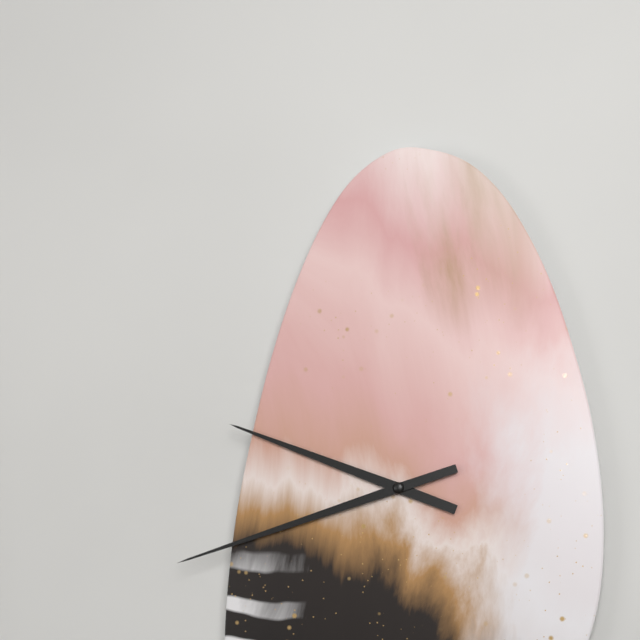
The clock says 9:42
